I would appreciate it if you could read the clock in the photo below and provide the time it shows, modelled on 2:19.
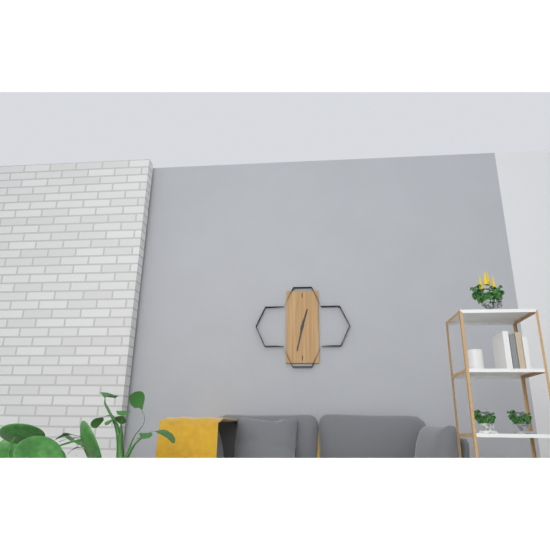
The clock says 12:32
